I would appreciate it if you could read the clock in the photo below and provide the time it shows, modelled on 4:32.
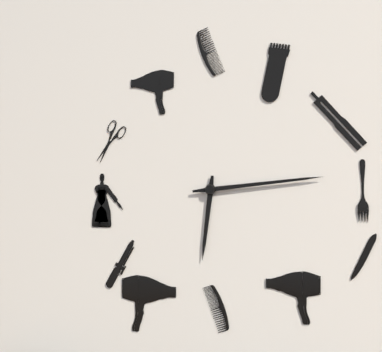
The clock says 6:14
